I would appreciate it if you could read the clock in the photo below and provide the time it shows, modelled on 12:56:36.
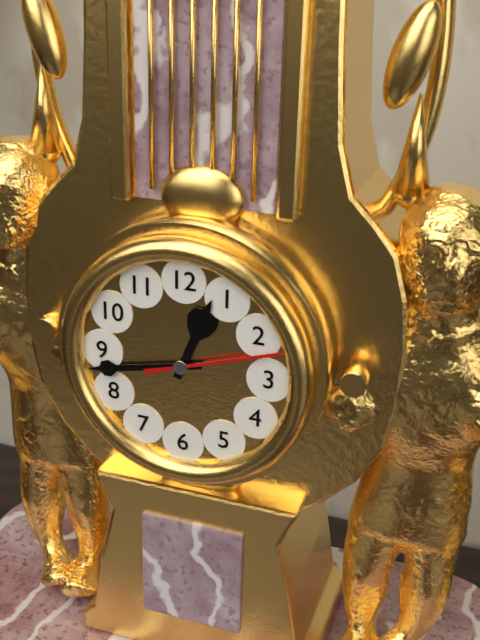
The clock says 12:43:12
